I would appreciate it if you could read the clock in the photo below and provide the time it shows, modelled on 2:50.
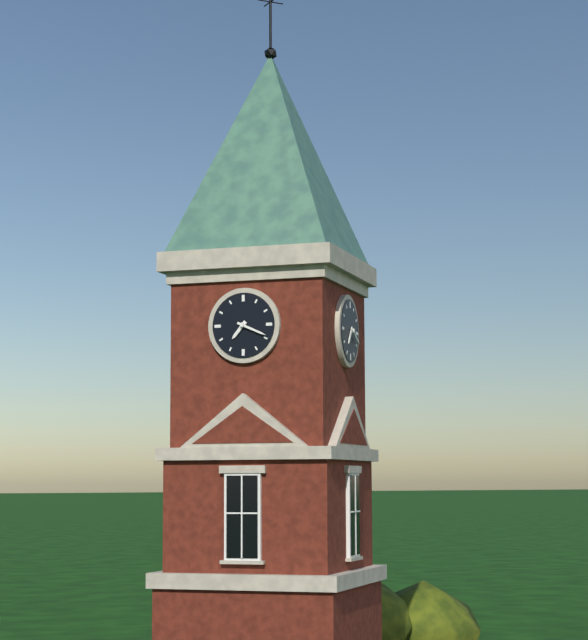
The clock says 7:19
